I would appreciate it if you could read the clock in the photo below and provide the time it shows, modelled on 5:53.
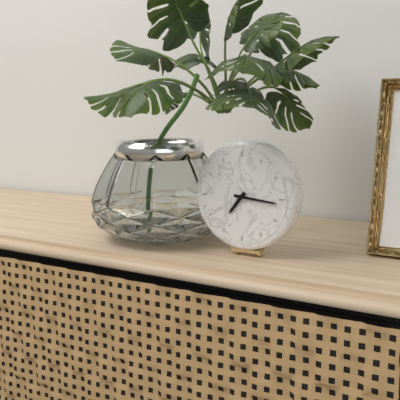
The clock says 7:16
